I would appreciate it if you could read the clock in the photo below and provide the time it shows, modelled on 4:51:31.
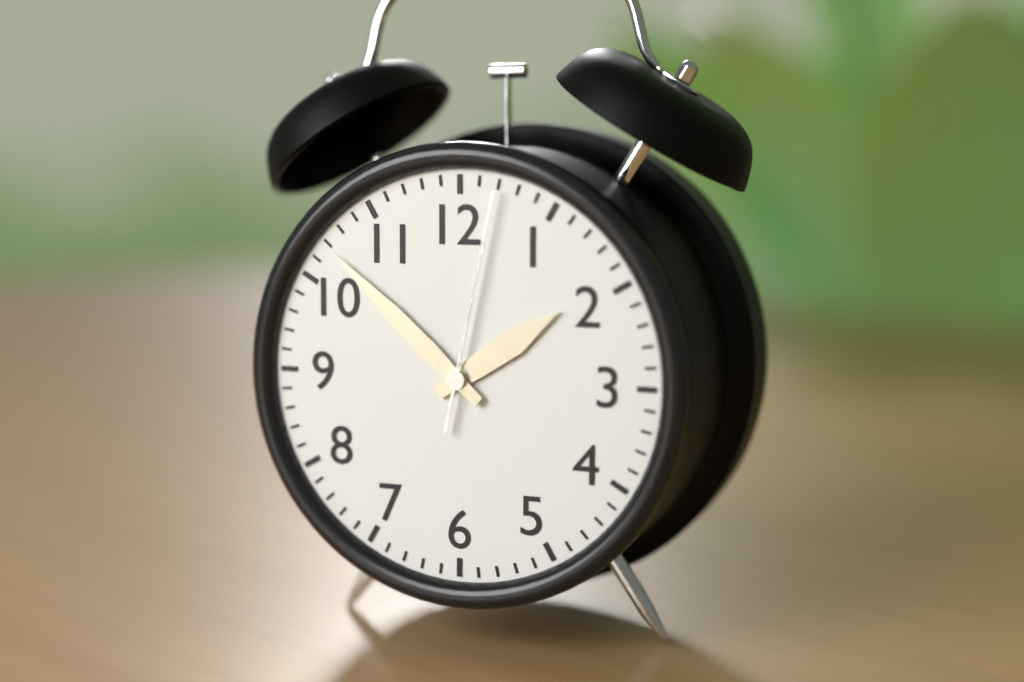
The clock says 1:52:02
